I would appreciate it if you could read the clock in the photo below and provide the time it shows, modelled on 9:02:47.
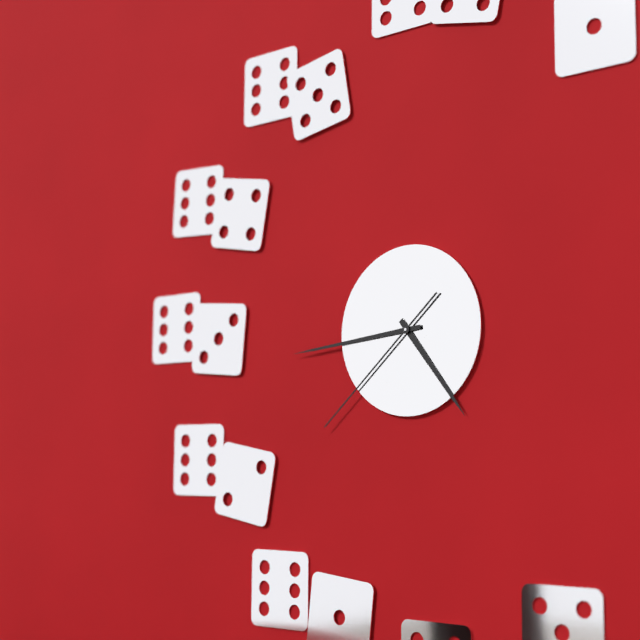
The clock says 4:44:38
